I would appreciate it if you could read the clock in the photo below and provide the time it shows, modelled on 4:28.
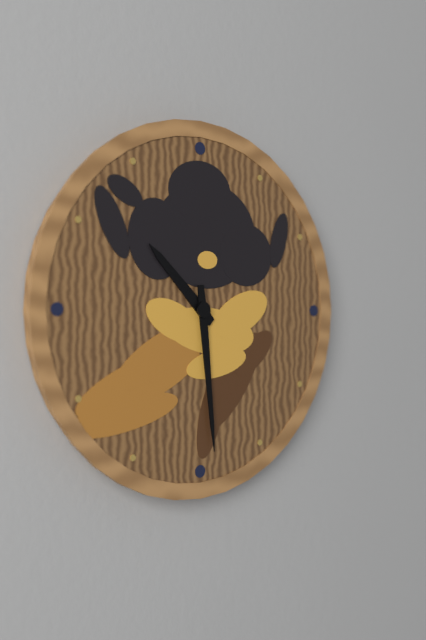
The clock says 10:29
